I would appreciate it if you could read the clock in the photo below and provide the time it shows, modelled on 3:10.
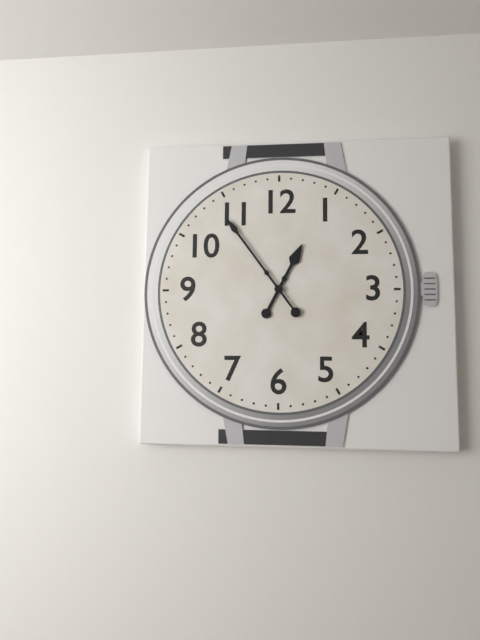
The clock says 12:54
